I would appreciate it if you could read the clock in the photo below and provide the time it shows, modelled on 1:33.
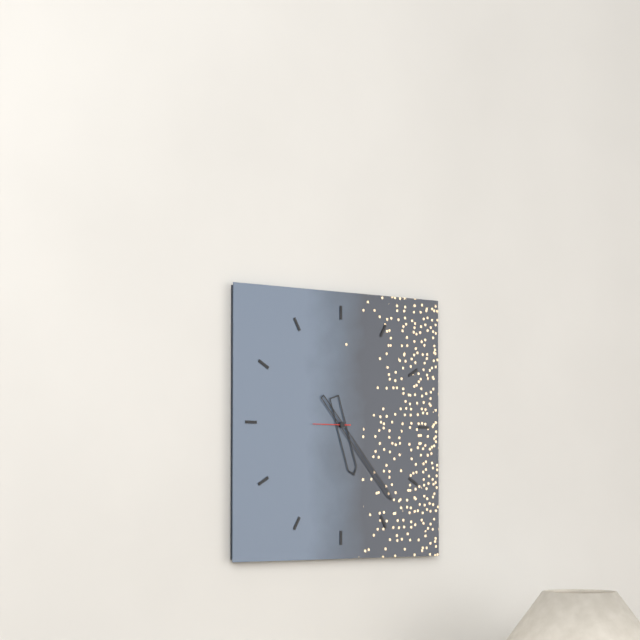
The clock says 5:23
